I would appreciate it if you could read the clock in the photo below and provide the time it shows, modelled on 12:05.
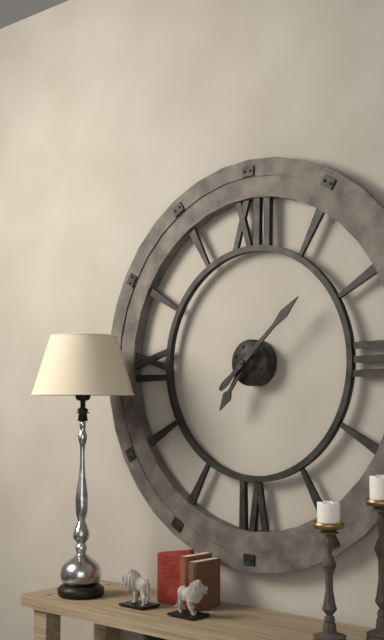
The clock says 7:08
